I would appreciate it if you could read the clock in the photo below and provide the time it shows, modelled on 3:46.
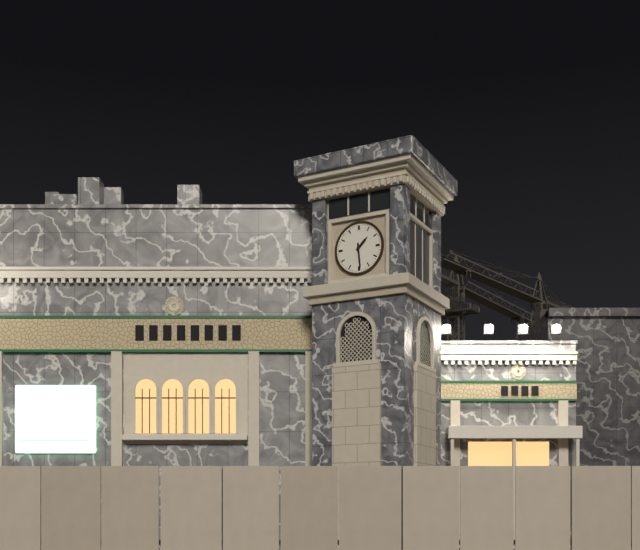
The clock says 1:29
